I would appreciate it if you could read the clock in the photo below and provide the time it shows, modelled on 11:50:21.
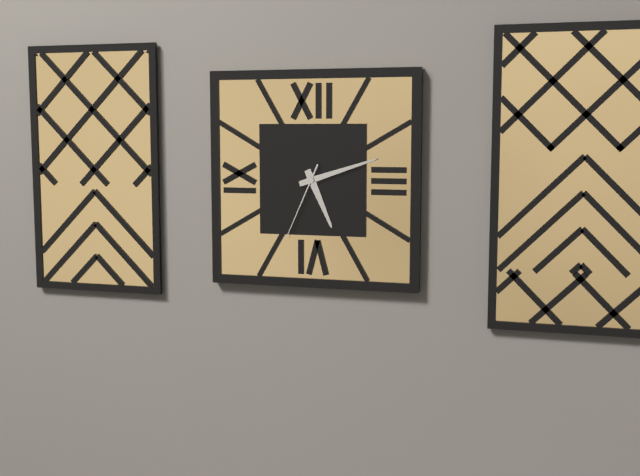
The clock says 5:12:34
